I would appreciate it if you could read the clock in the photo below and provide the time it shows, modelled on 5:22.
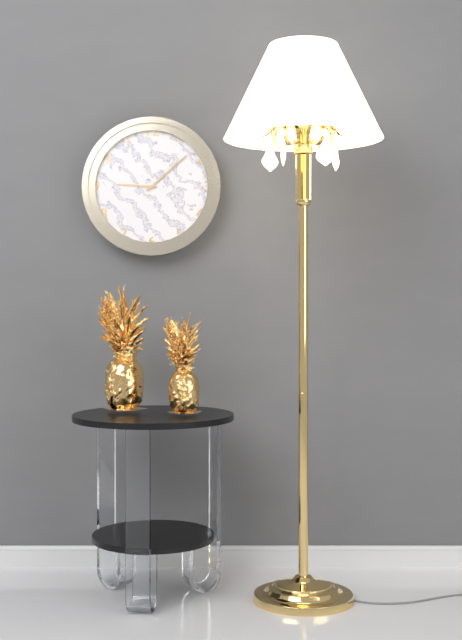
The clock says 9:08
